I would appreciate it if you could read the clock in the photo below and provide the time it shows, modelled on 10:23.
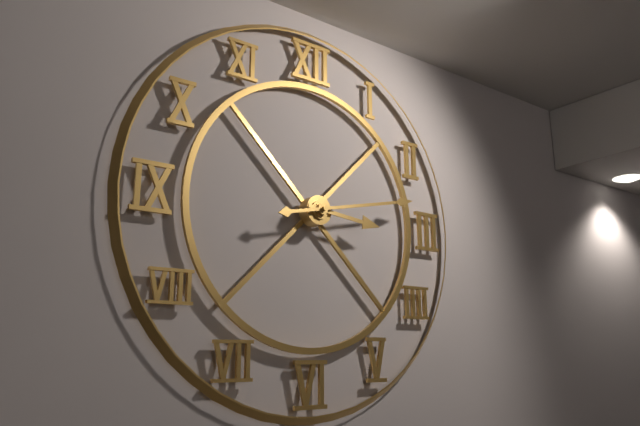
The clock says 3:13
